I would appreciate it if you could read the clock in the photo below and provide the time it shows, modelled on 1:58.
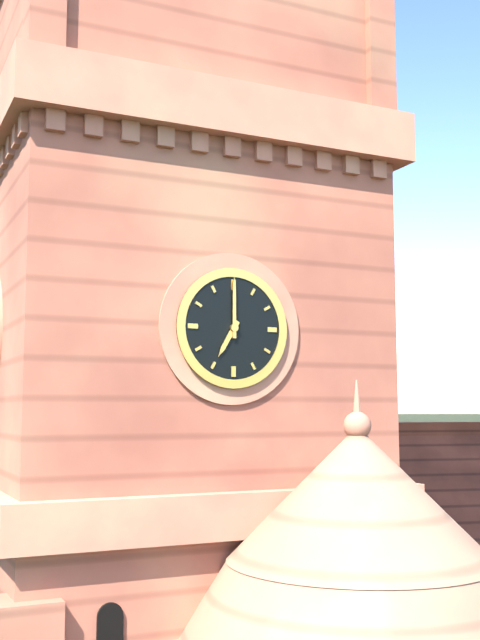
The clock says 7:00
